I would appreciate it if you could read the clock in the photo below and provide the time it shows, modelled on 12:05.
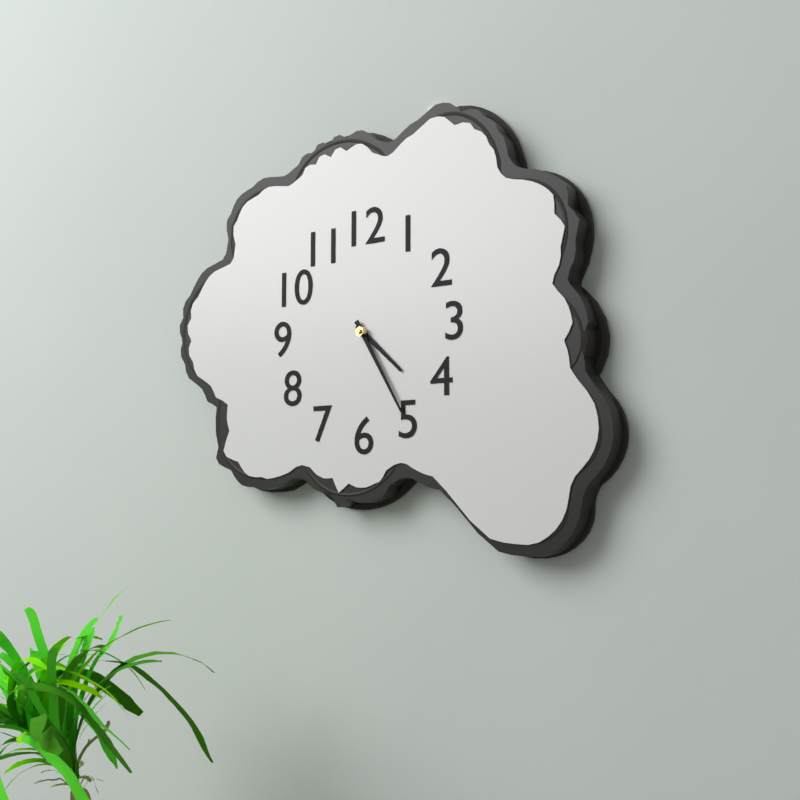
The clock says 4:25
